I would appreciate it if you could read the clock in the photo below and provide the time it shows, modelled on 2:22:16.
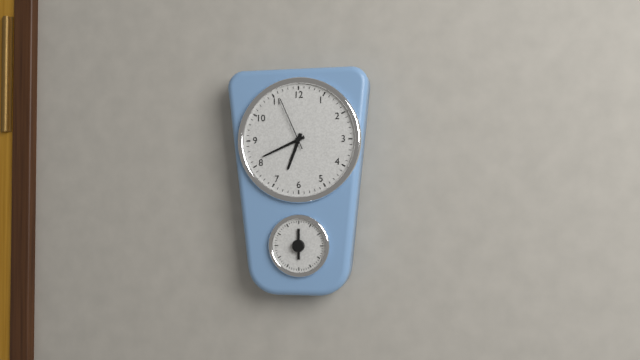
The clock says 6:41:56
